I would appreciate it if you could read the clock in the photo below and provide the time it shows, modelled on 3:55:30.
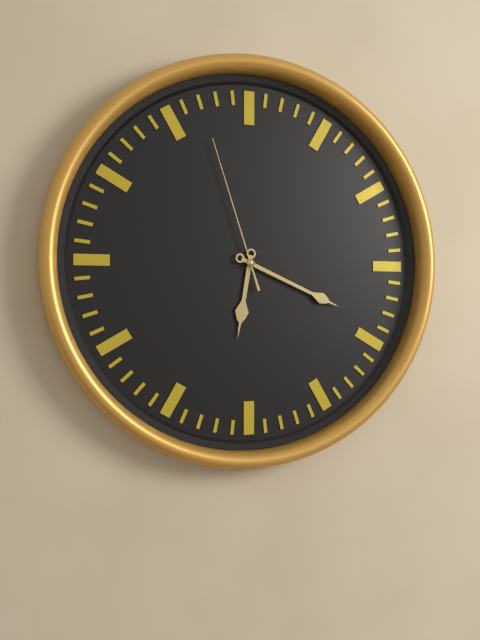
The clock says 6:19:57
